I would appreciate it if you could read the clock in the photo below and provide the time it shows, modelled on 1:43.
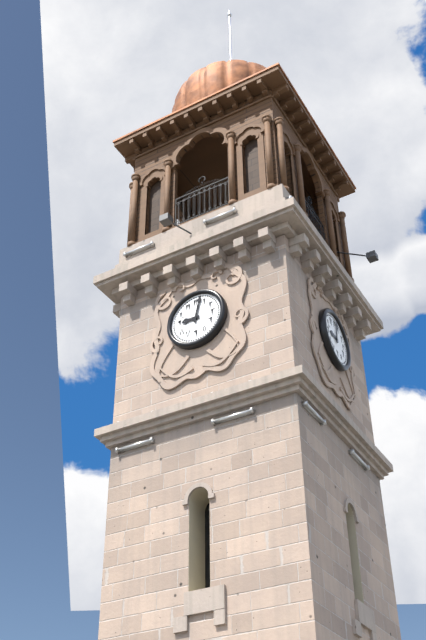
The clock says 9:02
